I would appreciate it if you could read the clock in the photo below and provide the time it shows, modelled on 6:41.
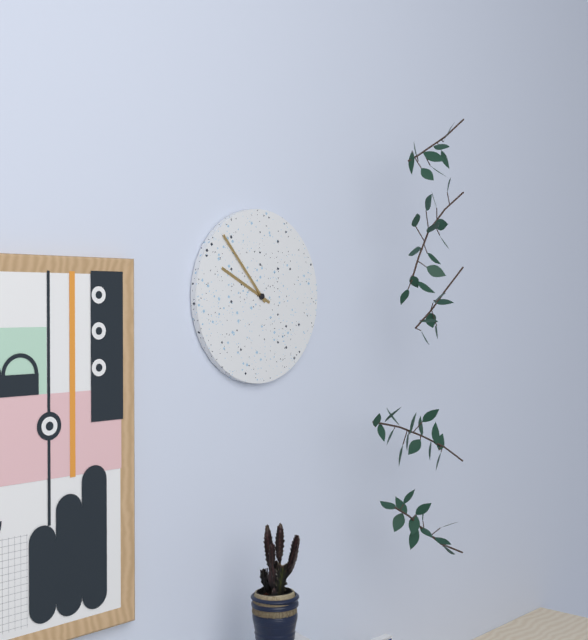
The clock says 9:53
